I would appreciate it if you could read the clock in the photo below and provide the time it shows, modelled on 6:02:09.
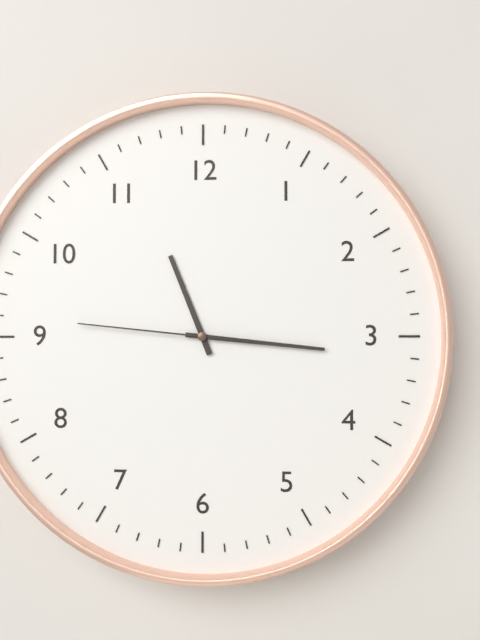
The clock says 11:16:46
